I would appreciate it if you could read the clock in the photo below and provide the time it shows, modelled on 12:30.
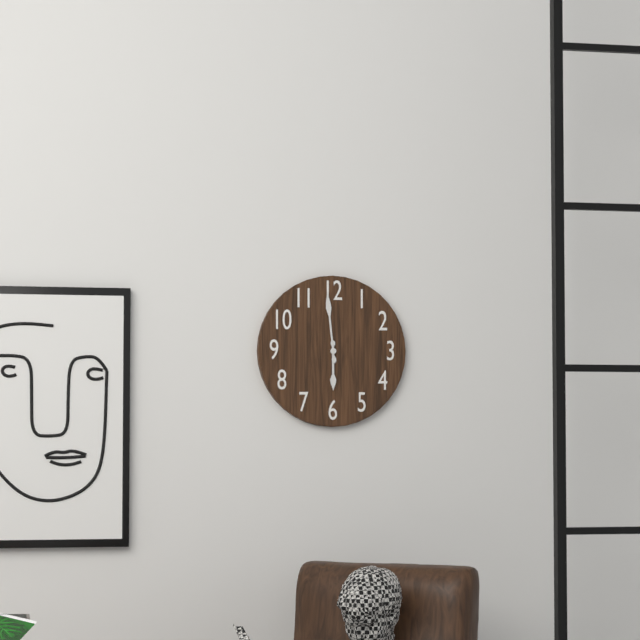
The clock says 5:59
